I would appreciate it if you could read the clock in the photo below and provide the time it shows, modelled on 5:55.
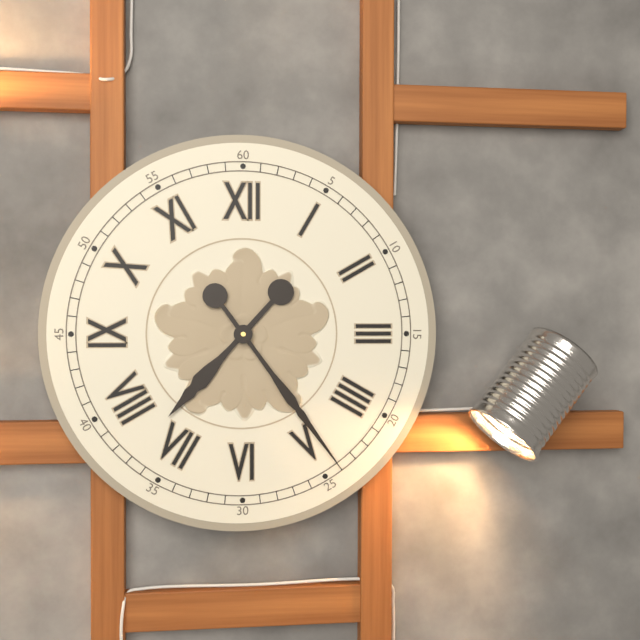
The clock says 7:24
